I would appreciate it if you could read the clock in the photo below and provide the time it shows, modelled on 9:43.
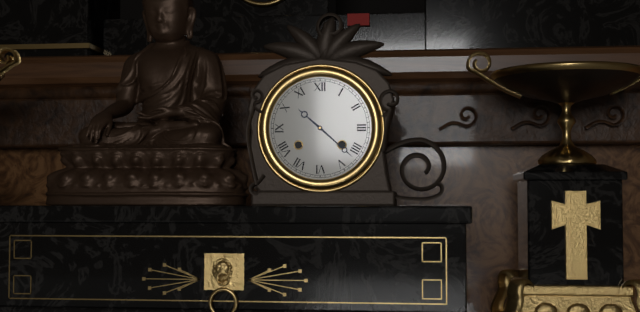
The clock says 10:22
